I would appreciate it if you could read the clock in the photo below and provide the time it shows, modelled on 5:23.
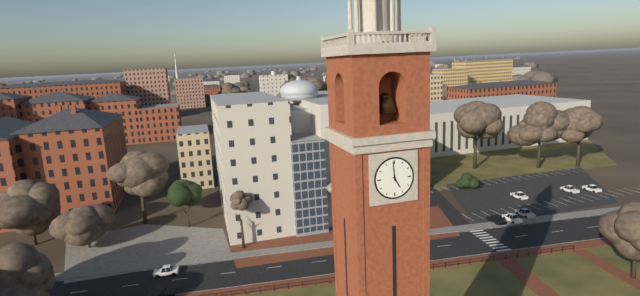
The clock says 4:59
